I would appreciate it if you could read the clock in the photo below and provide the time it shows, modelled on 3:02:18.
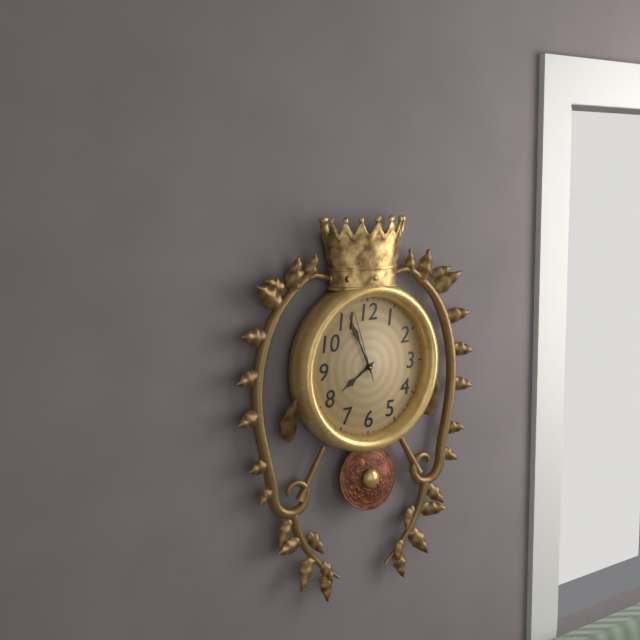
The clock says 7:56:57
